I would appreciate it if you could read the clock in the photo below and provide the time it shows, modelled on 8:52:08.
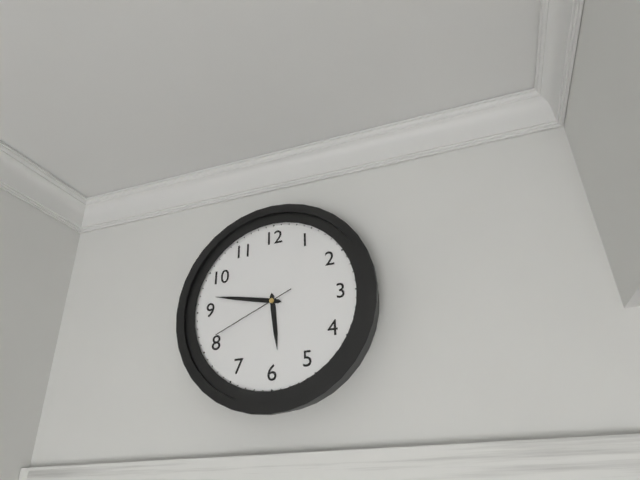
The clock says 5:47:41
